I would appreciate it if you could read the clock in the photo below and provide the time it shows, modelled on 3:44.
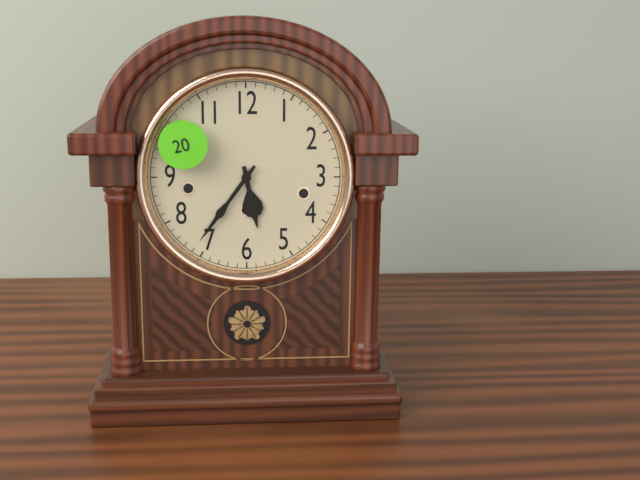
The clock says 5:36
